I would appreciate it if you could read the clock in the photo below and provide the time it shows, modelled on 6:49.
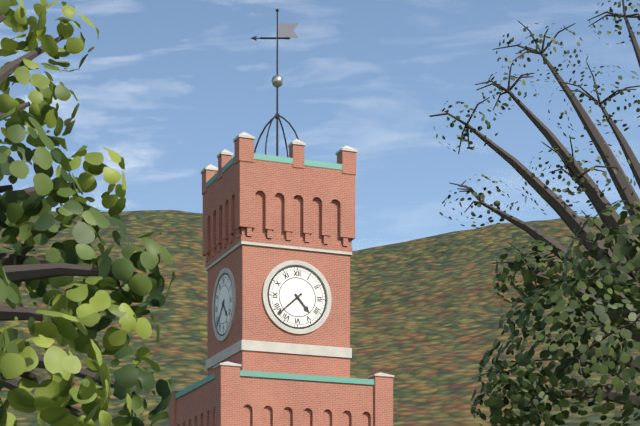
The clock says 4:38
